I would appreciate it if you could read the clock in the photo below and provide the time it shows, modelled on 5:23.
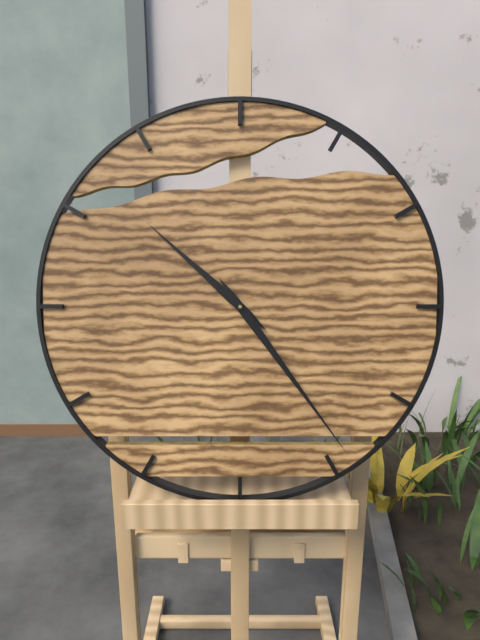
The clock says 10:24
